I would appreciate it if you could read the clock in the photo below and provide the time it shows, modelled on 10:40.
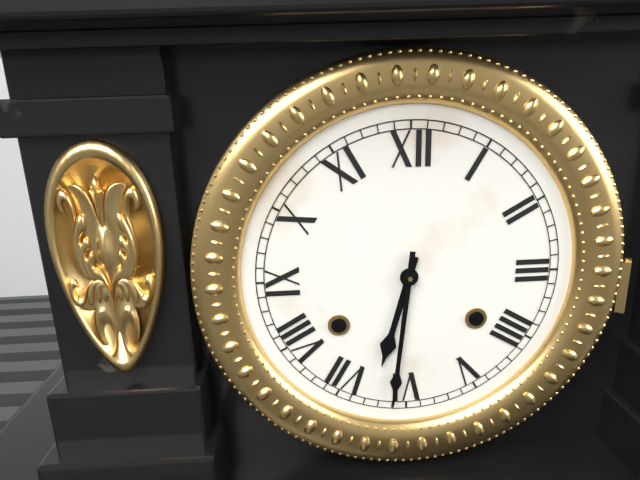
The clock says 6:31
